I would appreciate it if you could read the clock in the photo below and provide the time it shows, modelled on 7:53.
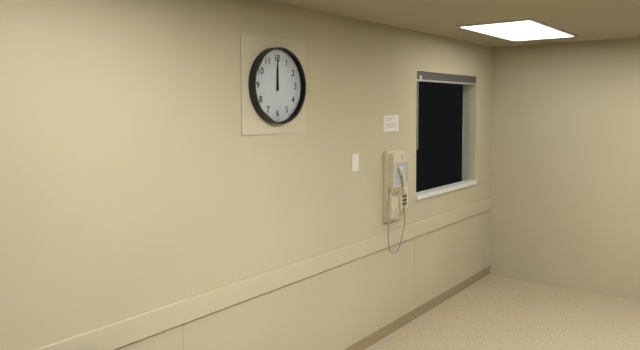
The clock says 12:00
